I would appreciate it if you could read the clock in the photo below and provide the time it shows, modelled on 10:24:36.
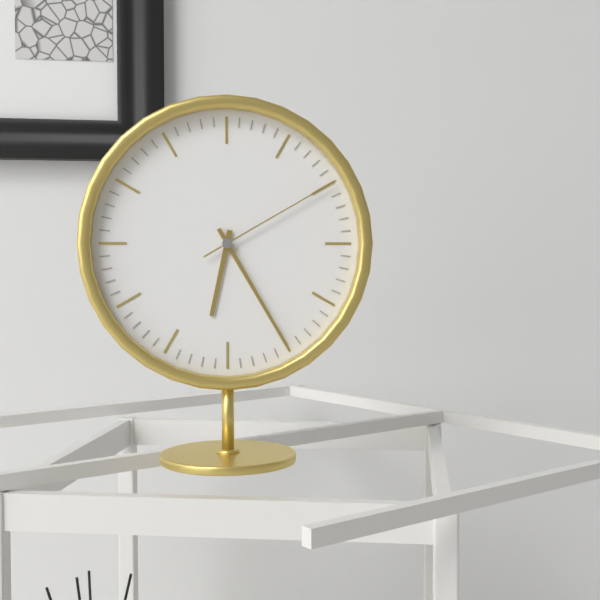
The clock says 6:25:10
